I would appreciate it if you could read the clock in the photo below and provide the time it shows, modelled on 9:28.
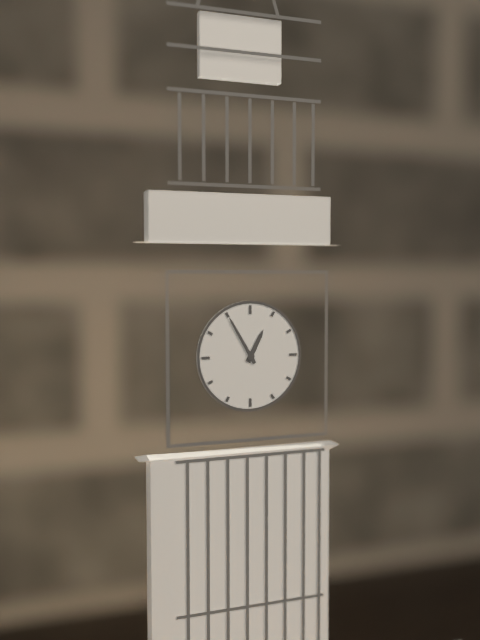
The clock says 12:55
